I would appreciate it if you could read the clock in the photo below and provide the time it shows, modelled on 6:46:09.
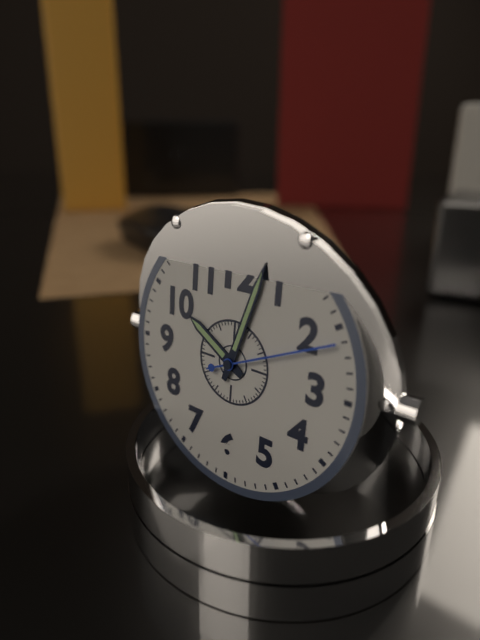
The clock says 10:03:11
